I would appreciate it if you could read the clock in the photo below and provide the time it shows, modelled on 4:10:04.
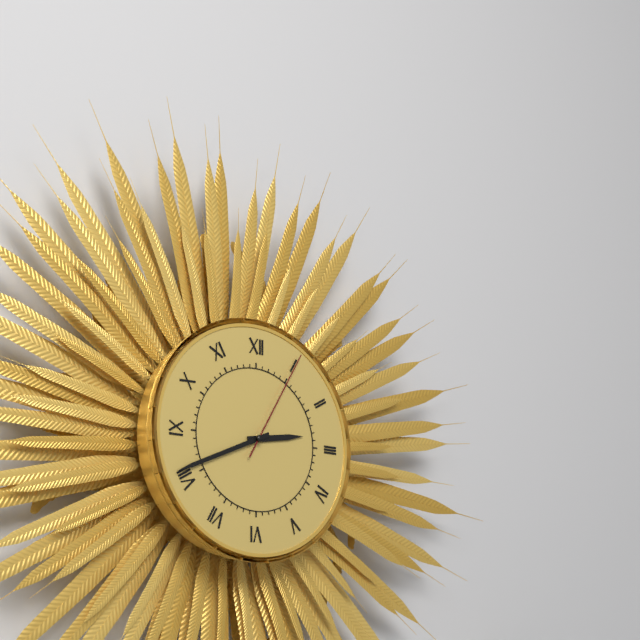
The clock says 2:41:05
